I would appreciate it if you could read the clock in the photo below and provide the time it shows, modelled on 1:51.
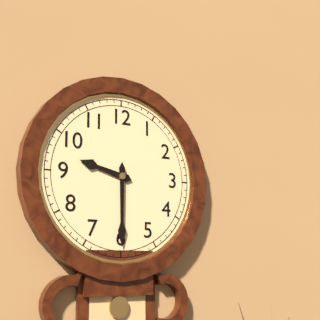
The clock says 9:30
